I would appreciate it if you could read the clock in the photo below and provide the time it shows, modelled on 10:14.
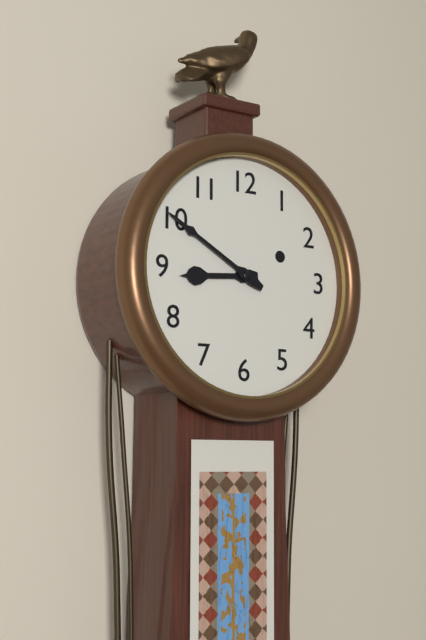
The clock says 8:50
